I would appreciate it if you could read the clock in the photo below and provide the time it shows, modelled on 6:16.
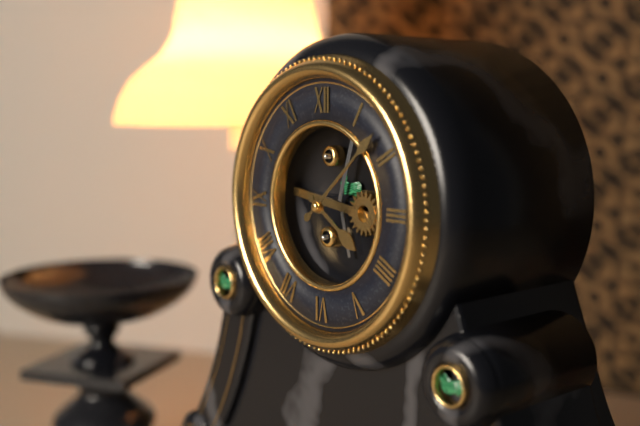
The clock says 4:08
